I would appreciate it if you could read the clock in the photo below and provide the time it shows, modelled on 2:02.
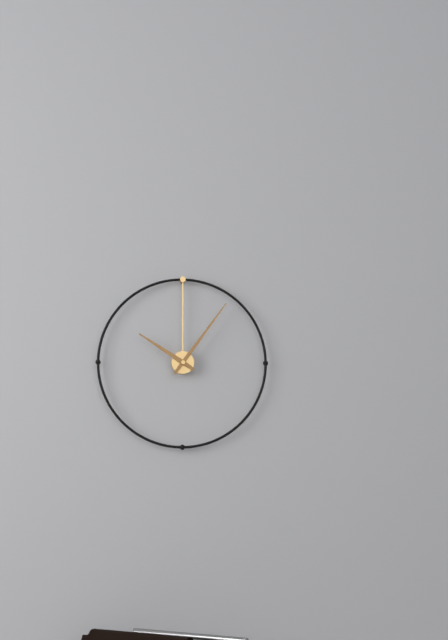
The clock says 10:06
